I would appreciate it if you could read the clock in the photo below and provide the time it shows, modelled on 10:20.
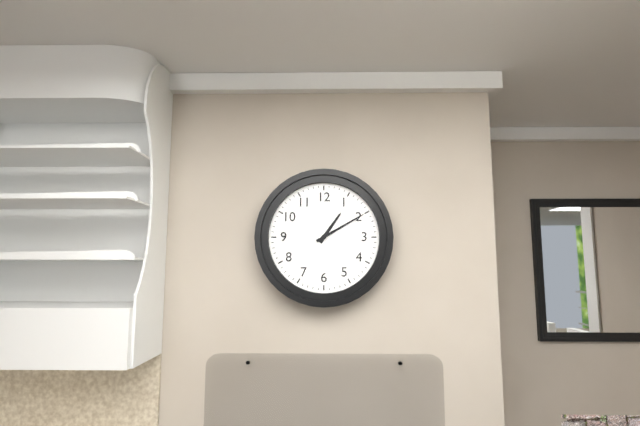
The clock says 1:10
